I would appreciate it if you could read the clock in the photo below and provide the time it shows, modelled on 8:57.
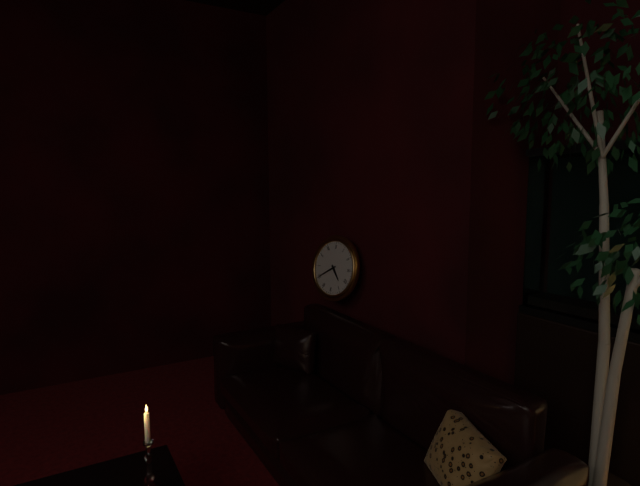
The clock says 4:40
